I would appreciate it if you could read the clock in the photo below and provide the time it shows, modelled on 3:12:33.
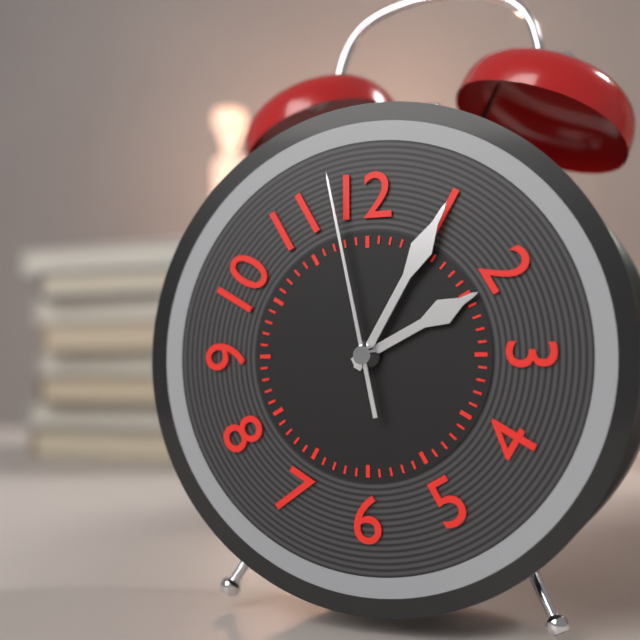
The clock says 2:05:58
